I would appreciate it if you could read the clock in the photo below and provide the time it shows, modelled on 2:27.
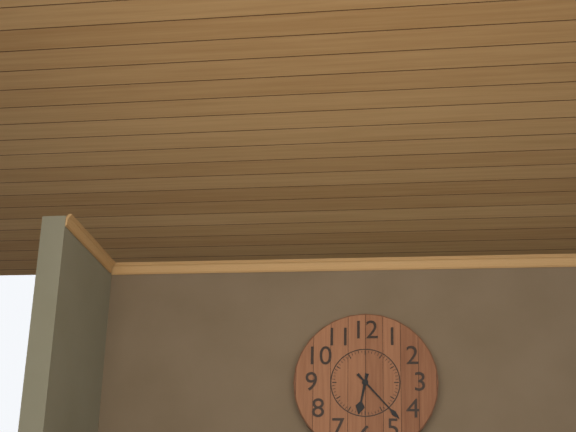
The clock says 6:23
